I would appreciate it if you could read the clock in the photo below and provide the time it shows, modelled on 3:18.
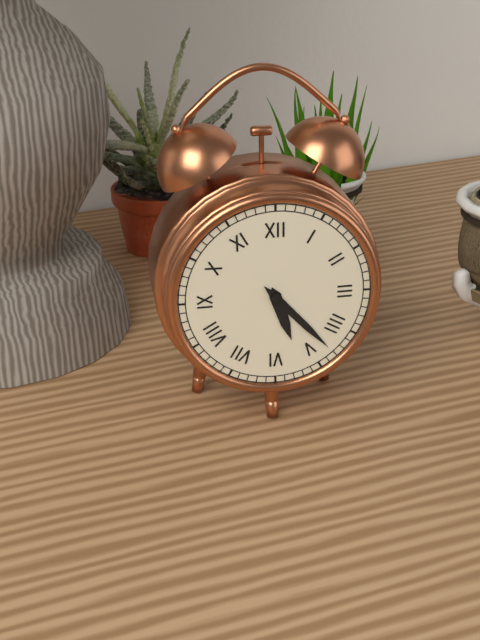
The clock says 5:23
